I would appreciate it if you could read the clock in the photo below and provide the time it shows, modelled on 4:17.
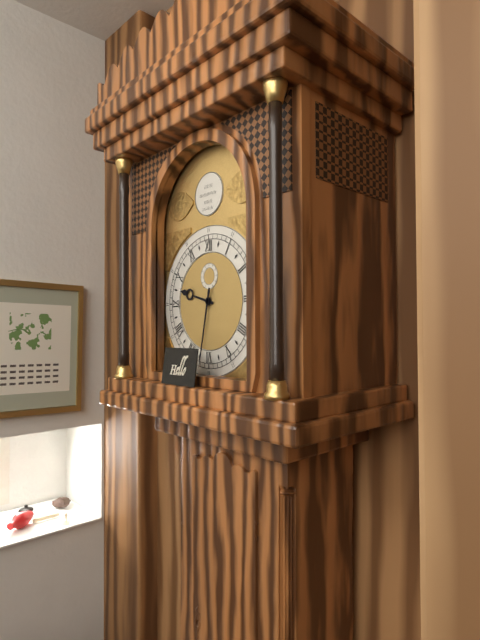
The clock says 9:32
